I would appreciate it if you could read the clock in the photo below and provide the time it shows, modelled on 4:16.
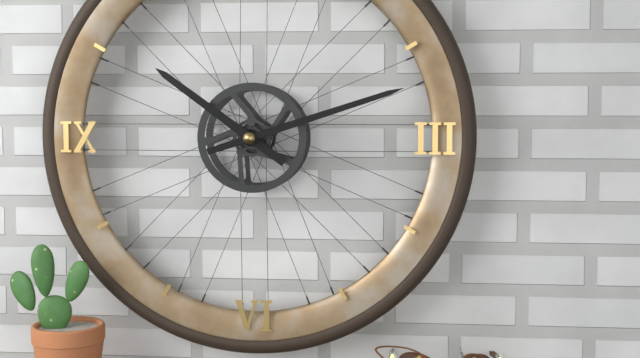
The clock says 10:12
